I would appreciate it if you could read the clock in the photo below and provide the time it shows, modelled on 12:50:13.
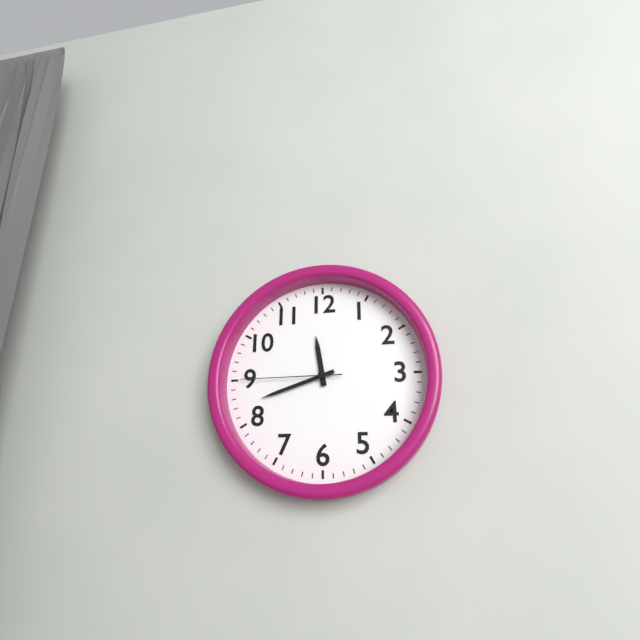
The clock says 11:42:45
